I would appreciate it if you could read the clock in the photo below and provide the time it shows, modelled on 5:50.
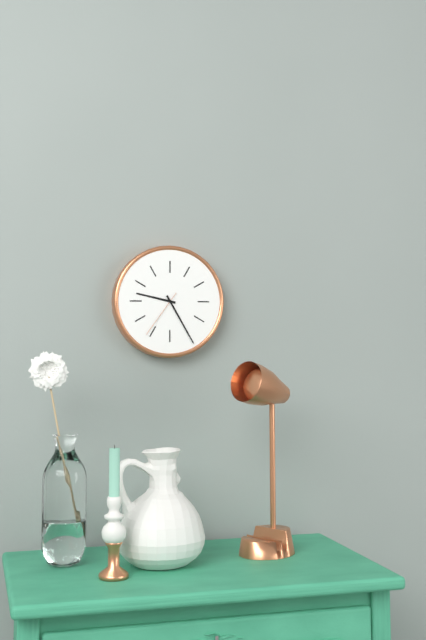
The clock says 9:25
